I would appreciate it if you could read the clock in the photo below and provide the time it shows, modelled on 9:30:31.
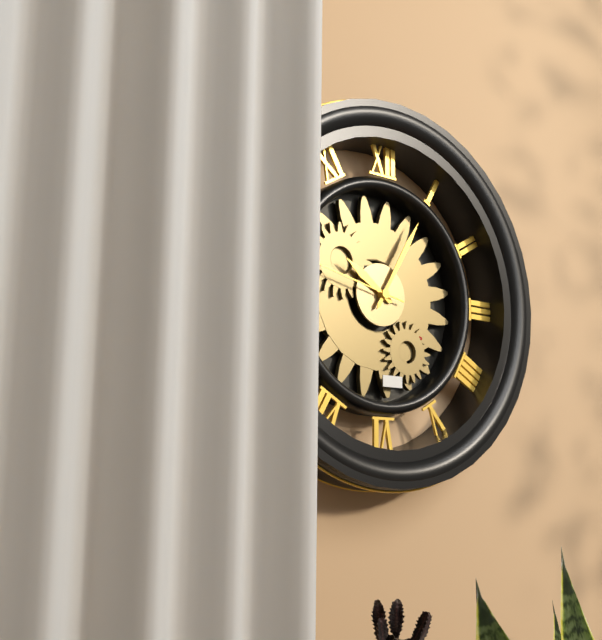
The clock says 10:05:47
